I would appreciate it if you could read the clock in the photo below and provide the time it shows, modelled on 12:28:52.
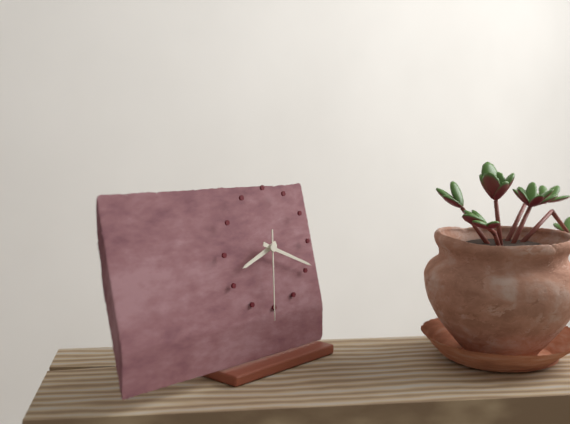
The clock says 8:19:31
